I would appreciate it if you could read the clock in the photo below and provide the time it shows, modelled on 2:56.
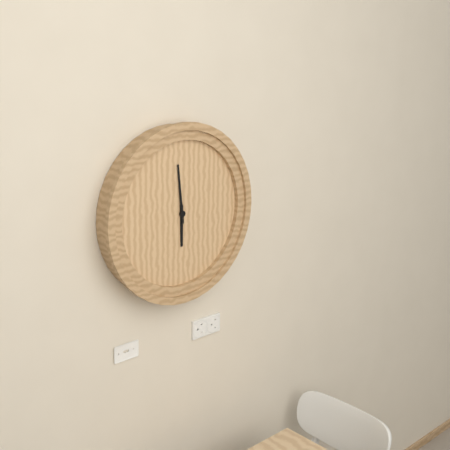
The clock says 5:59
